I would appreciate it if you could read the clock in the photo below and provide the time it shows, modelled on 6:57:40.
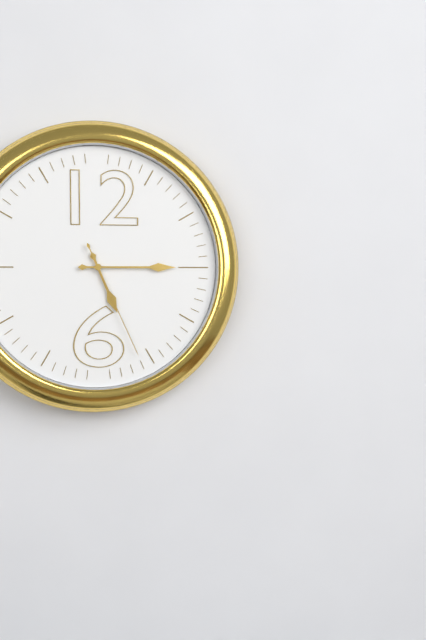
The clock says 5:15:26
